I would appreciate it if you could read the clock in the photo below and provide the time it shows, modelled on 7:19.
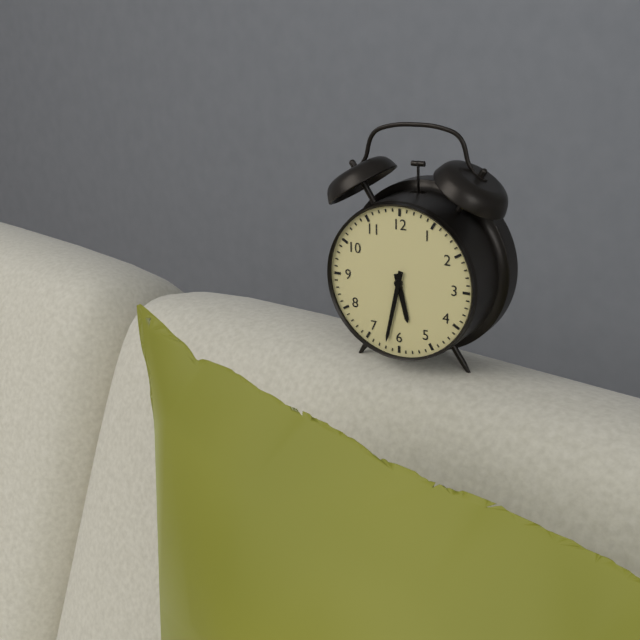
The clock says 5:32
